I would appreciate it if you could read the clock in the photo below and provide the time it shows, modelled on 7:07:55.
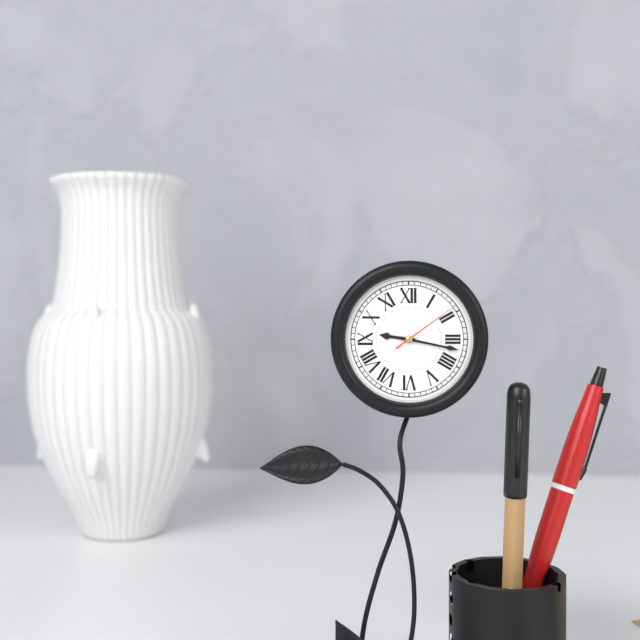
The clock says 9:17:09
